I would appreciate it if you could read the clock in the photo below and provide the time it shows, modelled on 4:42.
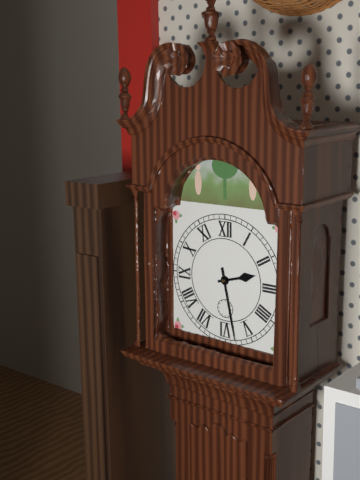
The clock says 2:28
